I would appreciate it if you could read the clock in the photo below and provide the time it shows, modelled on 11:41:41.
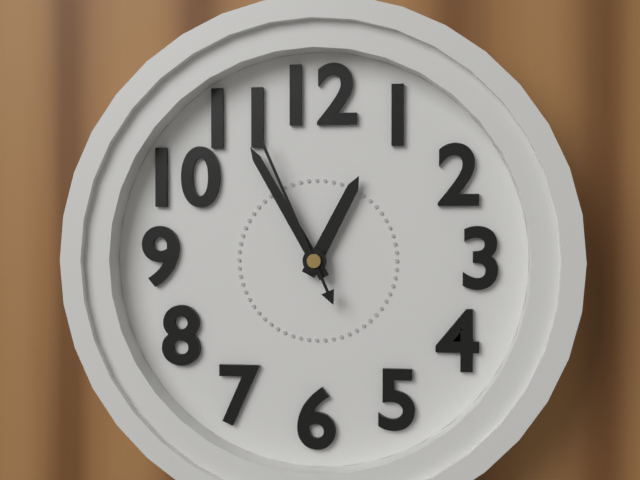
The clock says 12:55:56
